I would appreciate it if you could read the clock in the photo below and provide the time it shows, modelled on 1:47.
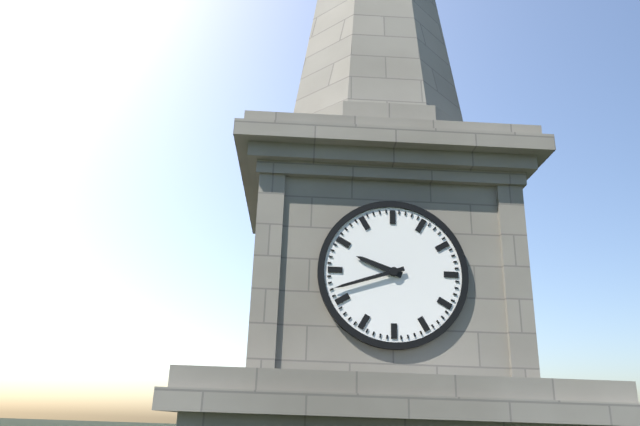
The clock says 9:42
